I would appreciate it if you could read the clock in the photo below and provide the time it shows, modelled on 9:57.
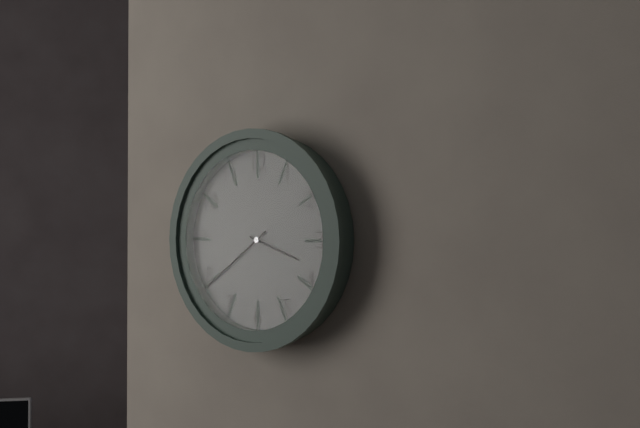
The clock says 3:39
